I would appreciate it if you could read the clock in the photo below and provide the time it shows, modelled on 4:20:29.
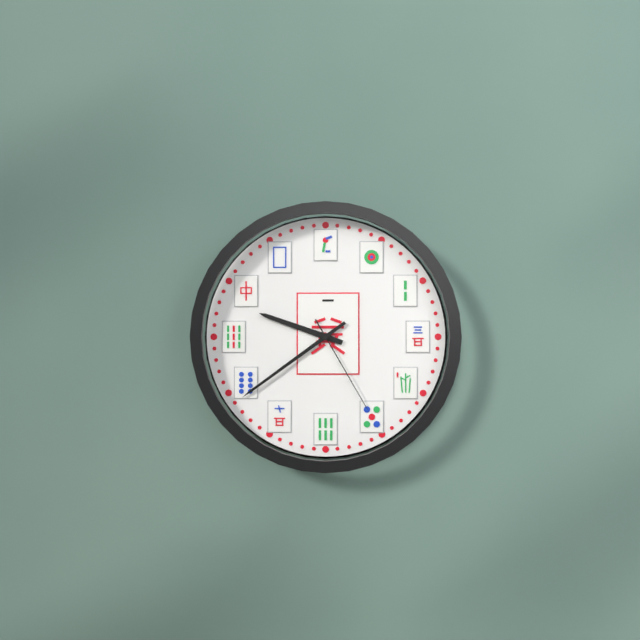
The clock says 9:39:25
